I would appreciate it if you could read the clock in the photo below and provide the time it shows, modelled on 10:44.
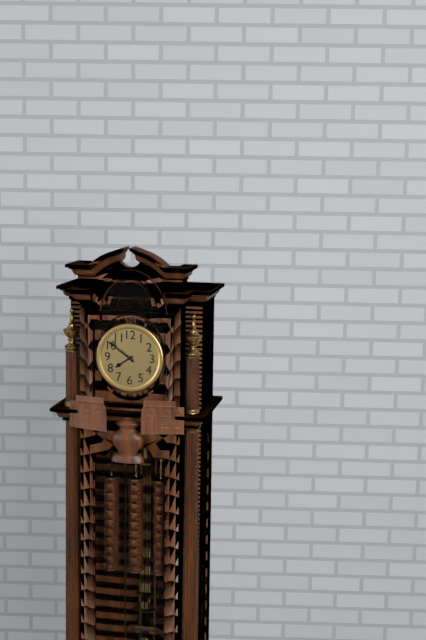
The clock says 7:51
